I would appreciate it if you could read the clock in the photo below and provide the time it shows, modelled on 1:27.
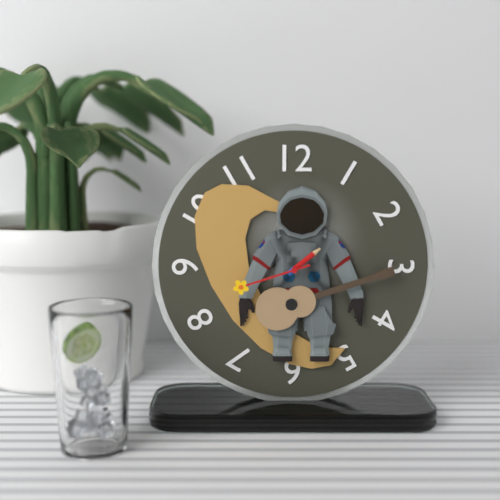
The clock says 1:42
